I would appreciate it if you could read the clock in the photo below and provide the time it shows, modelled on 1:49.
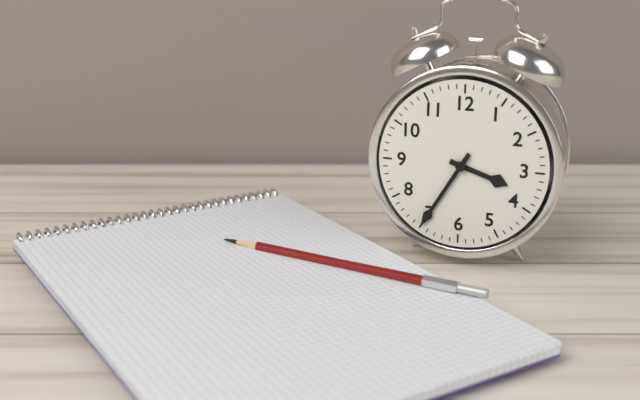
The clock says 3:35
